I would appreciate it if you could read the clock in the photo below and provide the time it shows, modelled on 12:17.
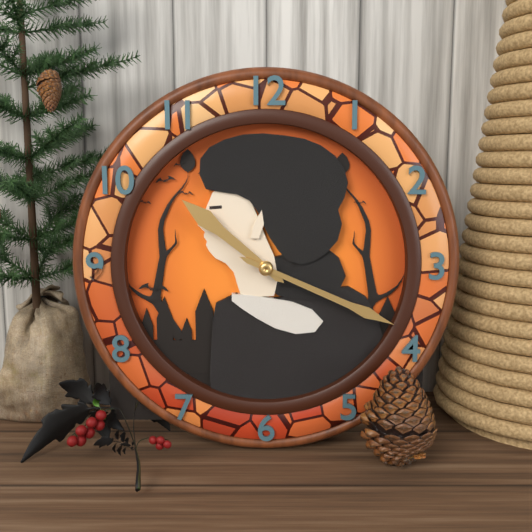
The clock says 10:19
